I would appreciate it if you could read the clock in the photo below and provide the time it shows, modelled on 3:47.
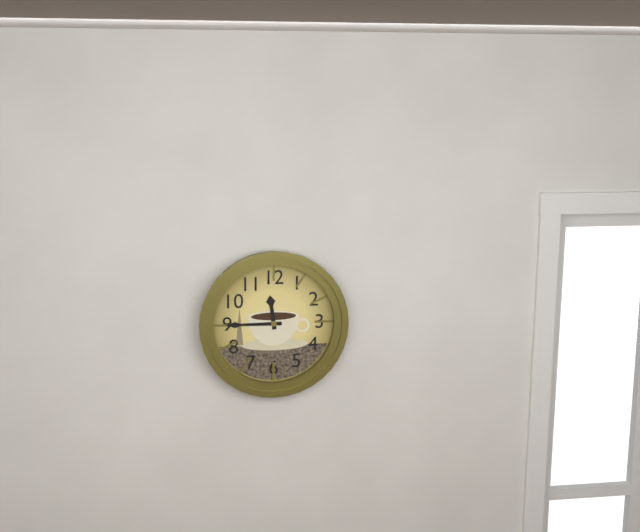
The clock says 11:45
